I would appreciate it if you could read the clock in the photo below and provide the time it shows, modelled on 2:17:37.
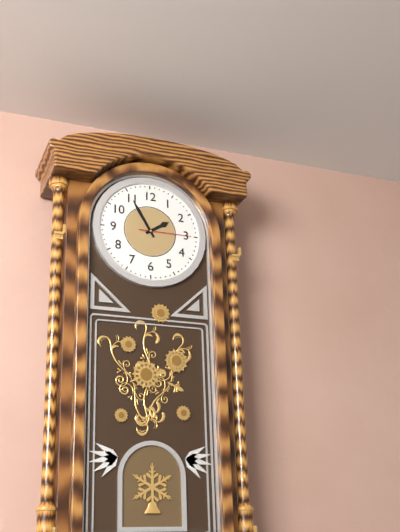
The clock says 1:55:15
